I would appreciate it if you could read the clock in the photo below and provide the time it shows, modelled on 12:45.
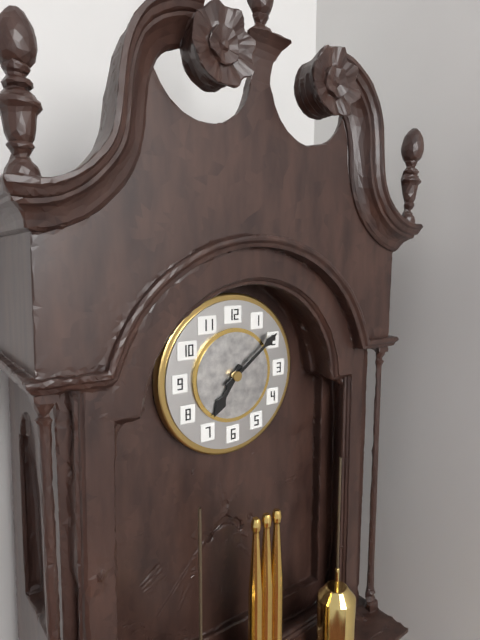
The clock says 7:09
